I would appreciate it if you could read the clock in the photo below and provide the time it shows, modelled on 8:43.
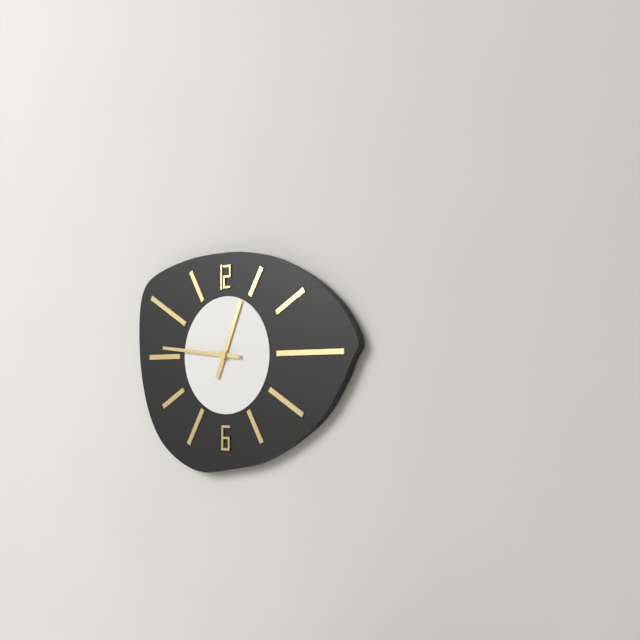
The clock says 12:46
